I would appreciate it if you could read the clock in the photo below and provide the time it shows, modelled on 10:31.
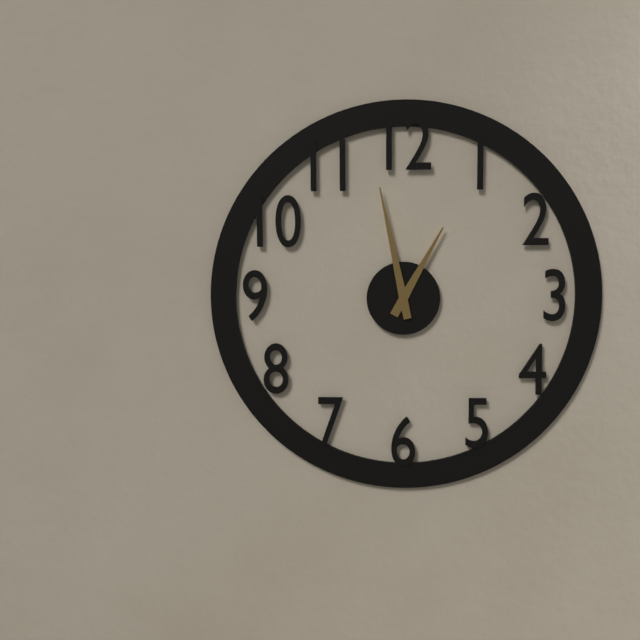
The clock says 12:58
